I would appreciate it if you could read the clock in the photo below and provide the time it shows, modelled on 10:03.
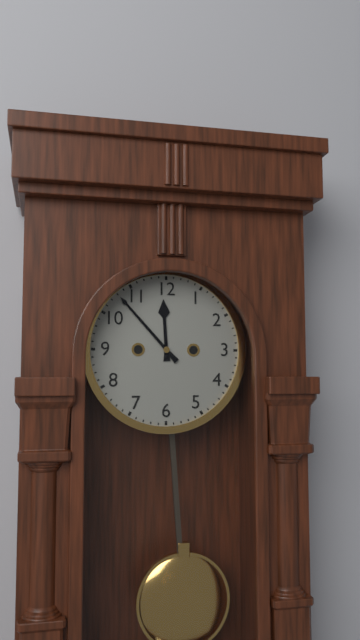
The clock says 11:53
